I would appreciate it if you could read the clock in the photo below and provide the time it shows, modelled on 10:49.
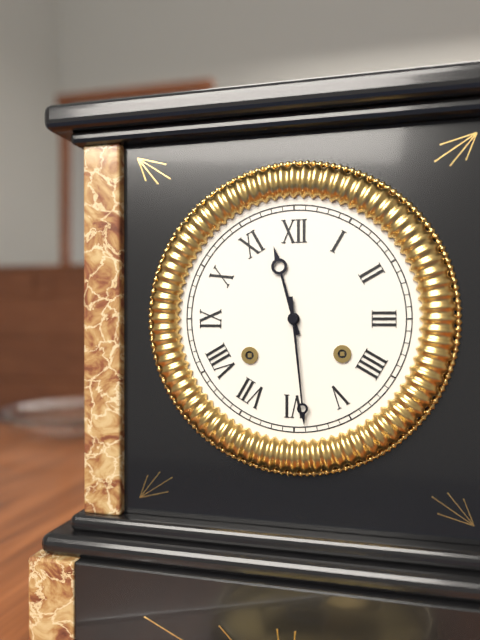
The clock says 11:29
